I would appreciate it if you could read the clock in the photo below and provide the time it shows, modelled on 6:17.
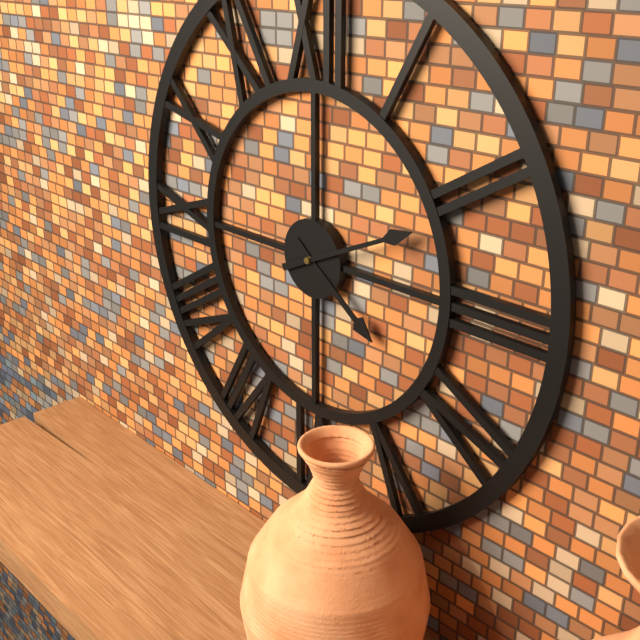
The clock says 4:11
